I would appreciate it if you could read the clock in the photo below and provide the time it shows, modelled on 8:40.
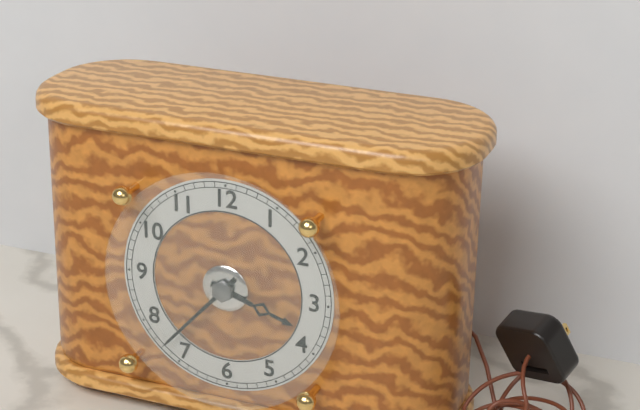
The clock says 3:37
